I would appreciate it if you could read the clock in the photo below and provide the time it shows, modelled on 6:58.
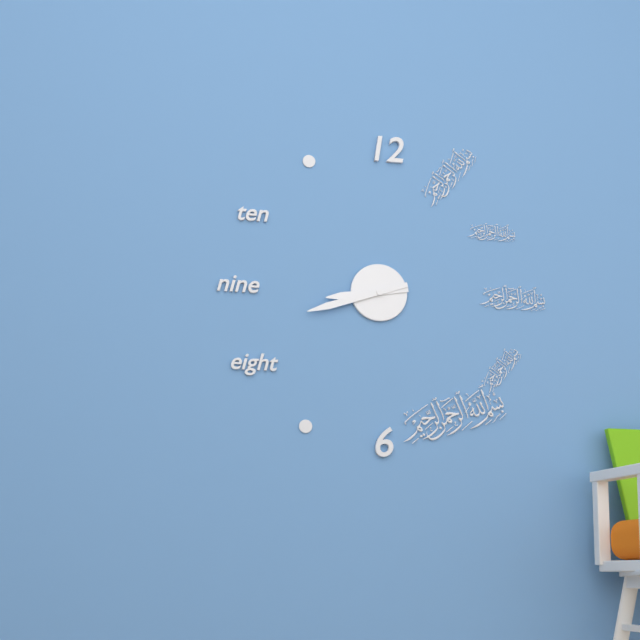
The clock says 8:42
